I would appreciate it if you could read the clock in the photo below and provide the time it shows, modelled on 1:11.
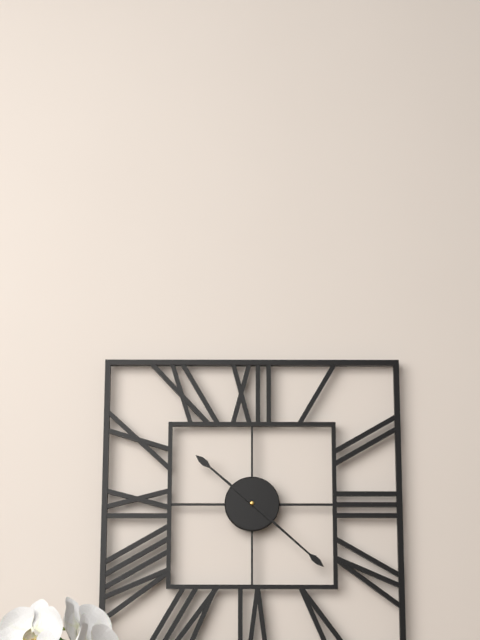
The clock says 10:22
